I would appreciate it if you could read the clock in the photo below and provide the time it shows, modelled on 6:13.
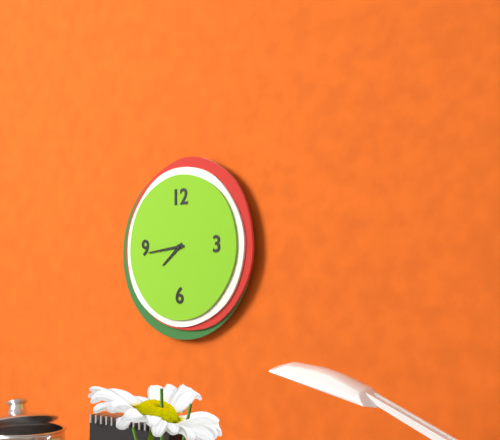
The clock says 7:44
